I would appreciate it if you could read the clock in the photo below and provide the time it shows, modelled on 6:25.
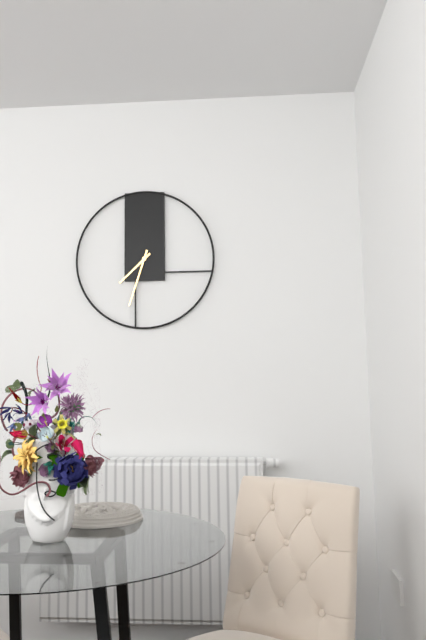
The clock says 7:33
